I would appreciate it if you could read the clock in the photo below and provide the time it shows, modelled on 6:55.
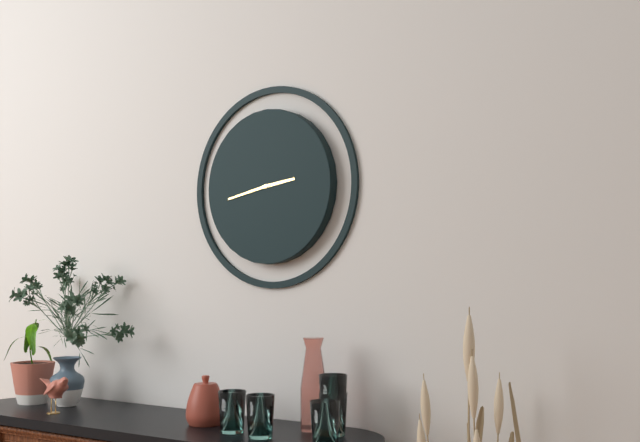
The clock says 2:43
